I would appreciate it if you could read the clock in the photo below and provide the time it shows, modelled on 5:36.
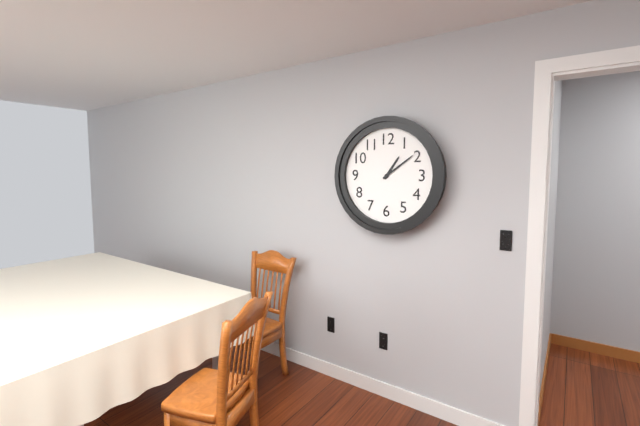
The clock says 1:09
